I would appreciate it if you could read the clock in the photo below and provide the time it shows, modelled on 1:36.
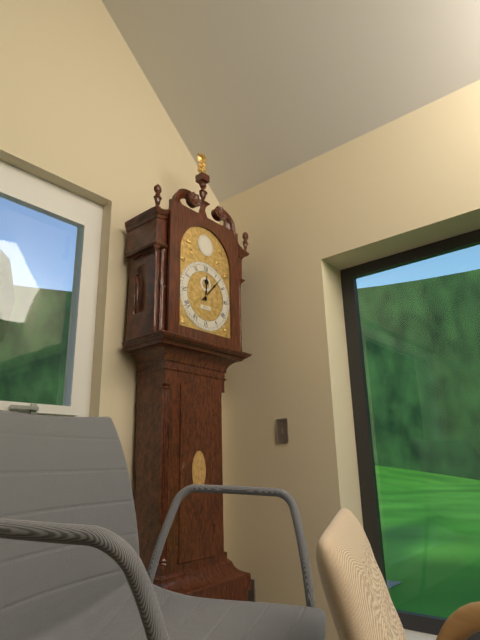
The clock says 12:07
